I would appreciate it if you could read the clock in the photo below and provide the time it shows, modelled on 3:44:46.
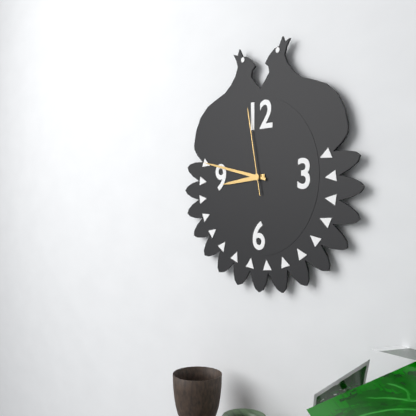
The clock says 8:47:58
